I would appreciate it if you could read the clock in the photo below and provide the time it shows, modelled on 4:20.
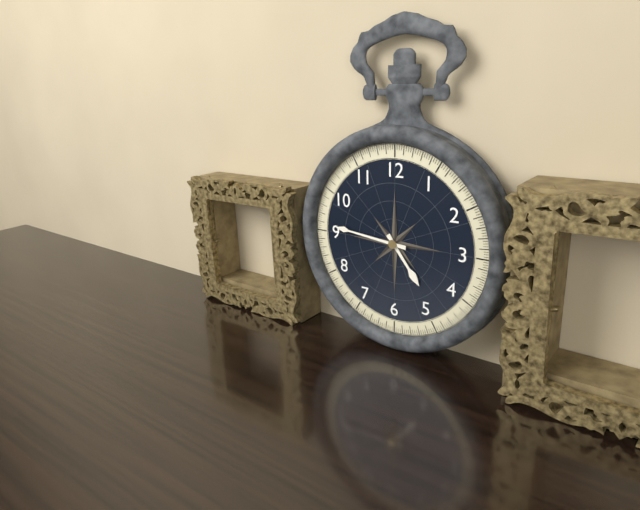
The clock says 4:46
